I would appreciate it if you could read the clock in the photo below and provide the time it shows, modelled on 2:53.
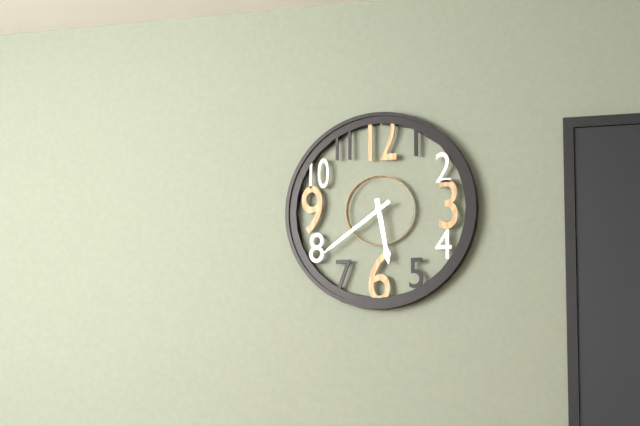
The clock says 5:39
